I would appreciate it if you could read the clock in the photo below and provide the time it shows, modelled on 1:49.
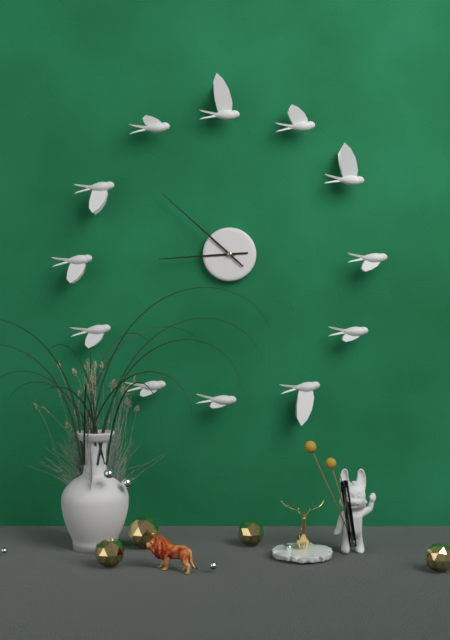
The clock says 8:52
